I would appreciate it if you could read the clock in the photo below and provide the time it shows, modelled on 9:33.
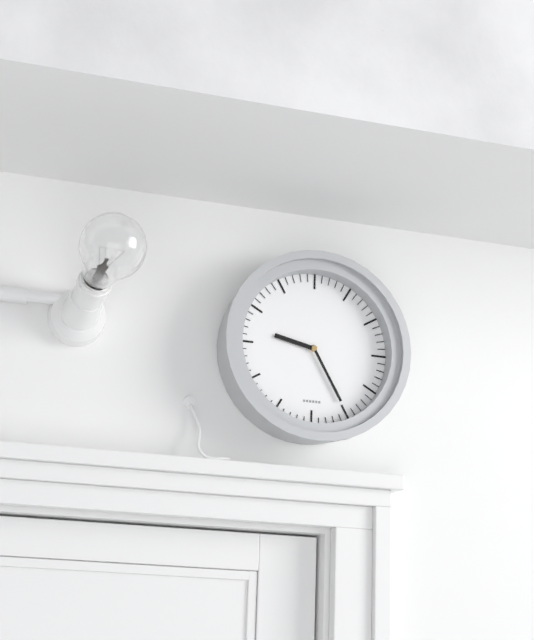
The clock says 9:25
